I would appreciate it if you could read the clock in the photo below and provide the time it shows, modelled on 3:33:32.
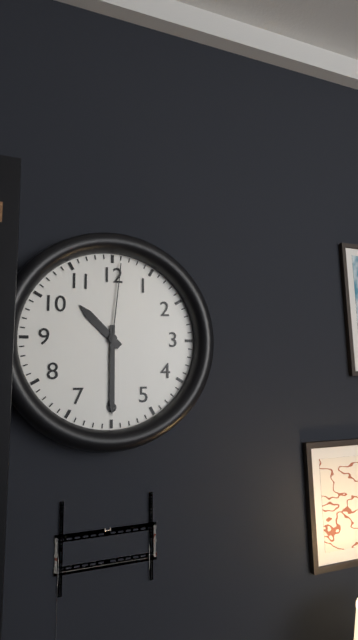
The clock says 10:30:01
